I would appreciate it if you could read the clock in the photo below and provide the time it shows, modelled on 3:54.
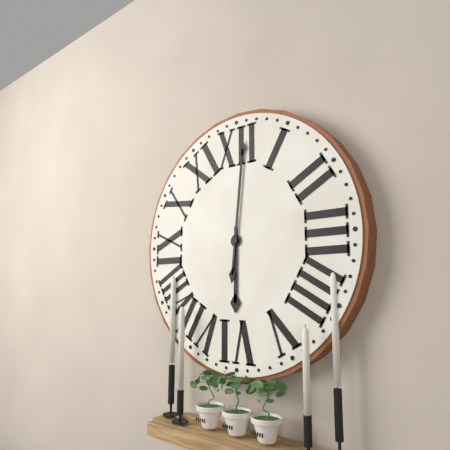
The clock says 6:01
